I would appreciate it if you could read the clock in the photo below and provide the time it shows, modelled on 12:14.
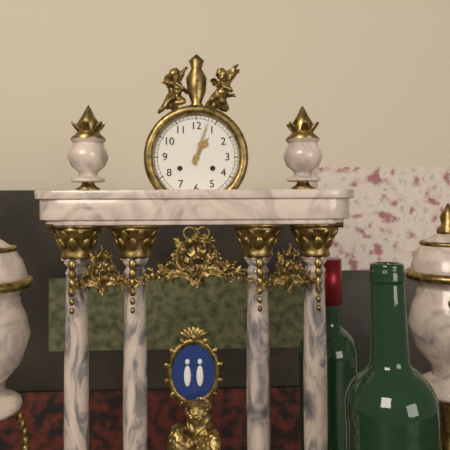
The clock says 1:03
